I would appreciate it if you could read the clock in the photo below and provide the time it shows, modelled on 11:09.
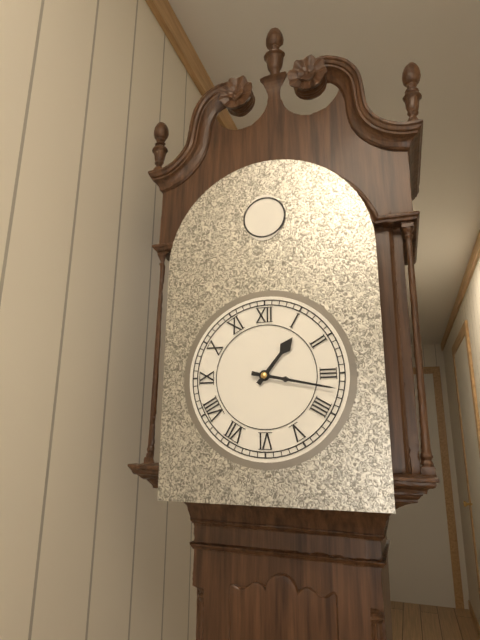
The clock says 1:17
